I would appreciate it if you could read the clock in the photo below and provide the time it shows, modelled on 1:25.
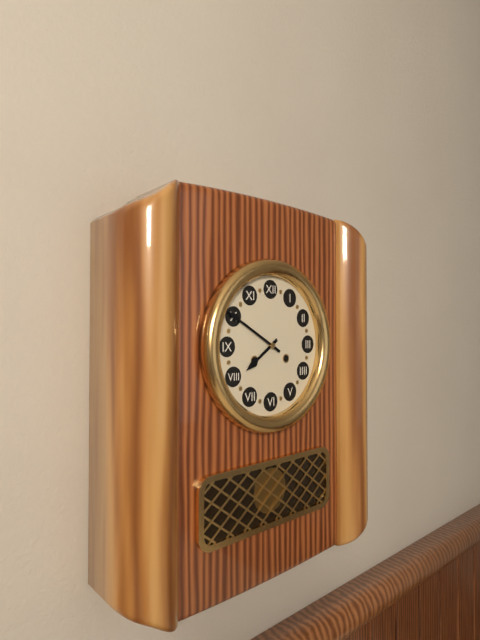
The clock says 7:50
